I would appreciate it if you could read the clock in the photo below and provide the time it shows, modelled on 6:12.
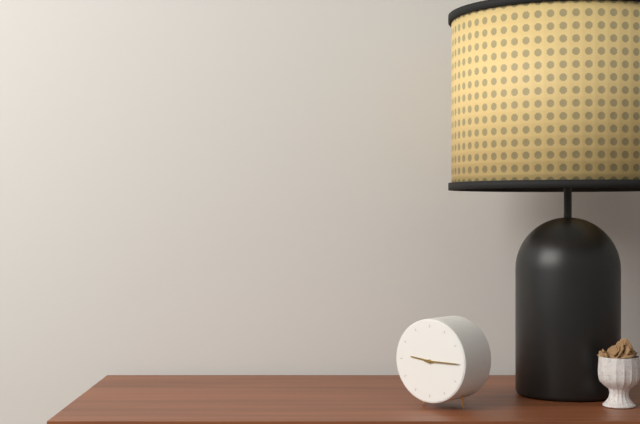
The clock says 9:15
